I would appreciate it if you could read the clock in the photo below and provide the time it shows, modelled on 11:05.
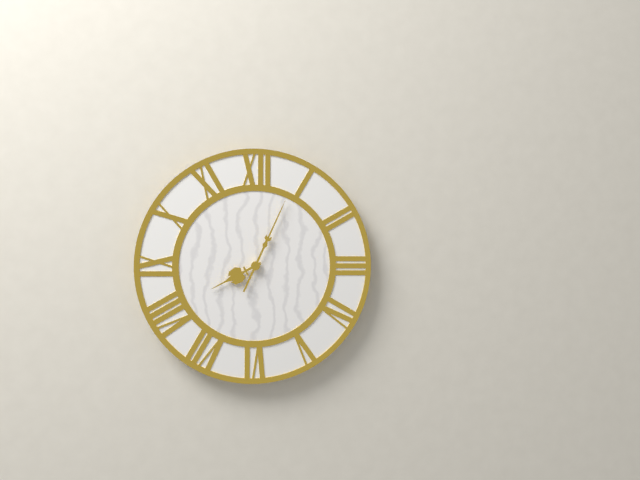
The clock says 8:04
